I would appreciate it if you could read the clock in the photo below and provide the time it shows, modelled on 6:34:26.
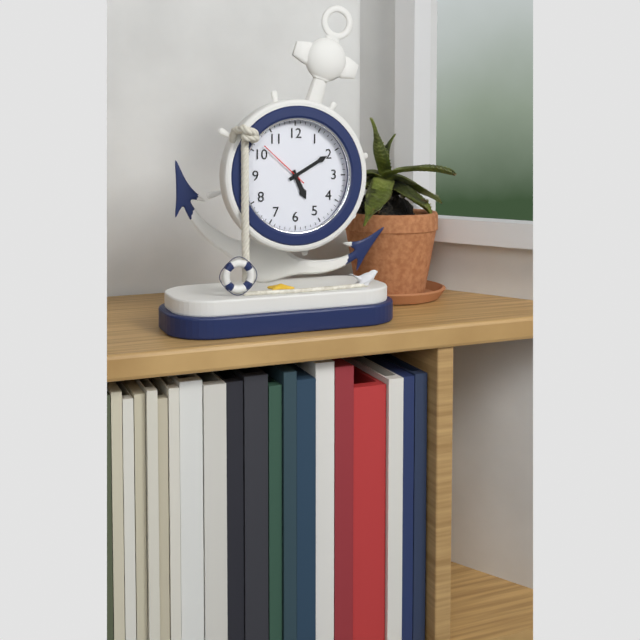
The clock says 5:10:52
